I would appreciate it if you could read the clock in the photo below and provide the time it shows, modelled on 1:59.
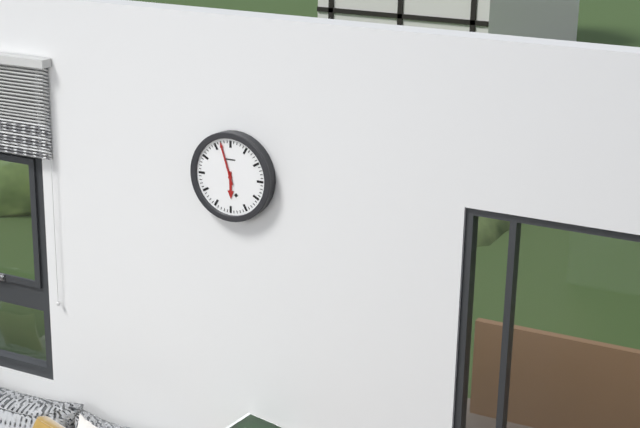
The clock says 5:57
